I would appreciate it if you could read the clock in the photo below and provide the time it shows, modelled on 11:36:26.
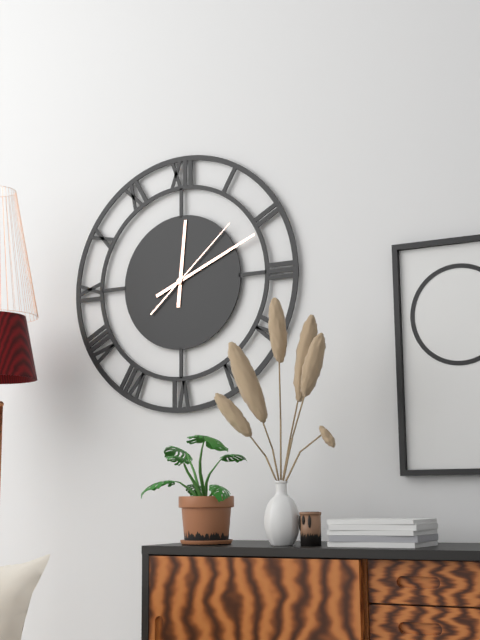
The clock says 12:11:08
